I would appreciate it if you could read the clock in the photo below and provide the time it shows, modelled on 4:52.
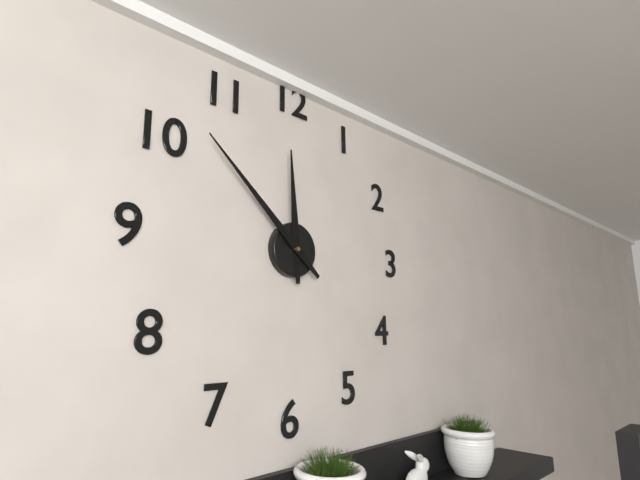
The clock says 11:52
